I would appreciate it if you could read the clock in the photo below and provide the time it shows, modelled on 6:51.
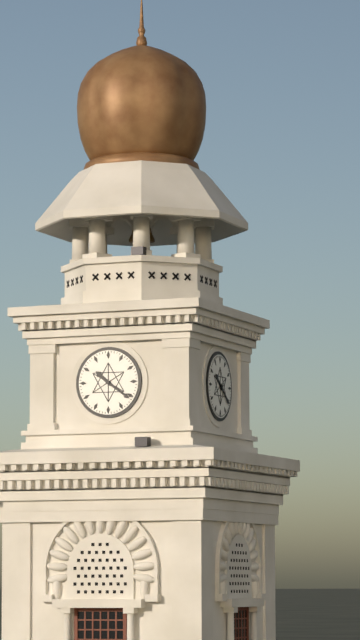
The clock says 10:21
